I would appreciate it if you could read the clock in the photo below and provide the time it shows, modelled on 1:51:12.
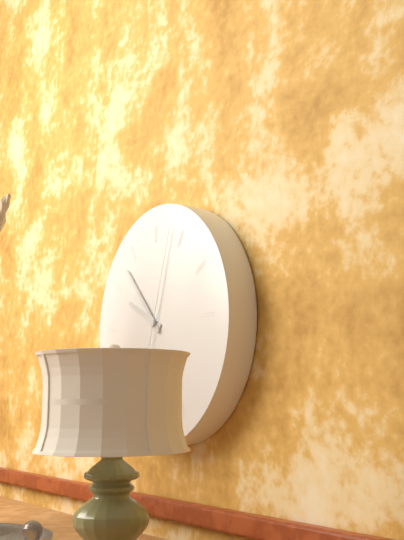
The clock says 9:53:03
